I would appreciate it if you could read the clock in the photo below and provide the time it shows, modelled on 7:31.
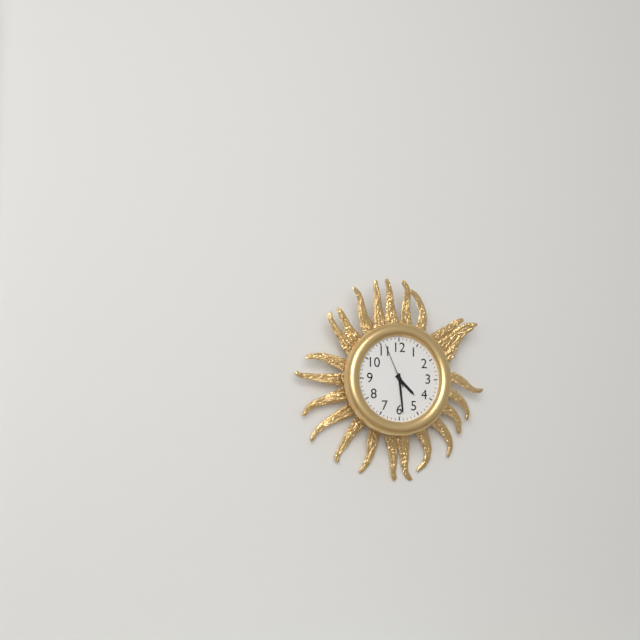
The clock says 4:29
